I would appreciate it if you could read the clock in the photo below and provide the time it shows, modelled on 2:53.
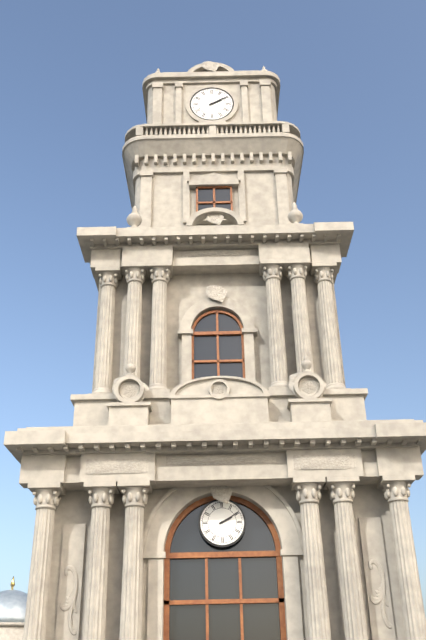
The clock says 2:10
